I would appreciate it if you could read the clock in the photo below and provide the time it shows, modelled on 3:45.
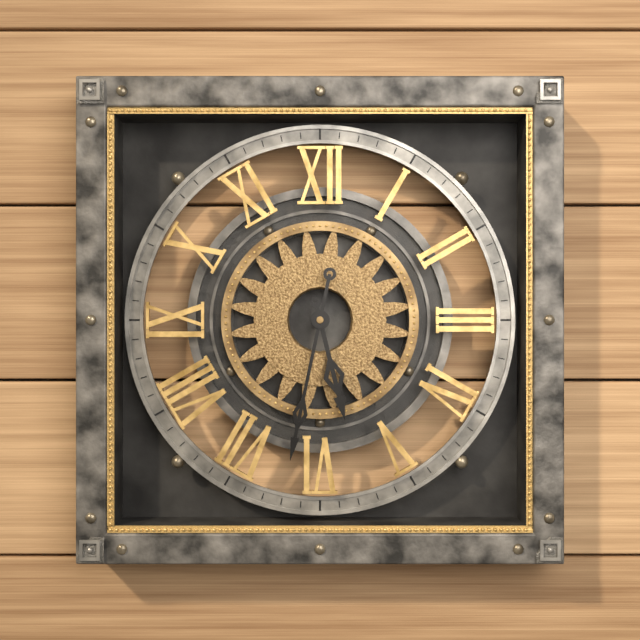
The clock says 5:32
